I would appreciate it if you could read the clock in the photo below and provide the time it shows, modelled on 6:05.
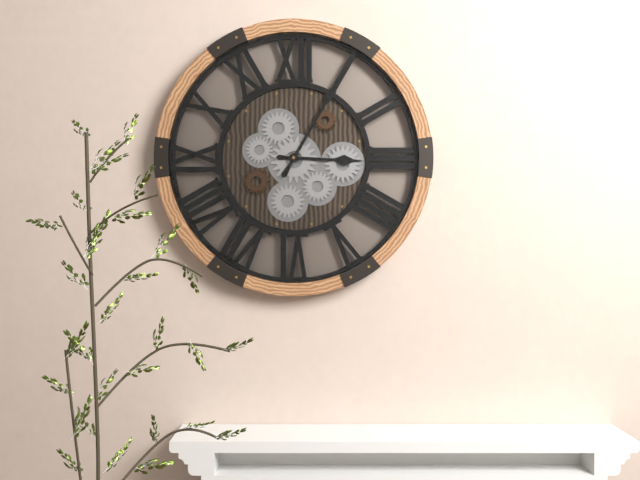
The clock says 3:05
